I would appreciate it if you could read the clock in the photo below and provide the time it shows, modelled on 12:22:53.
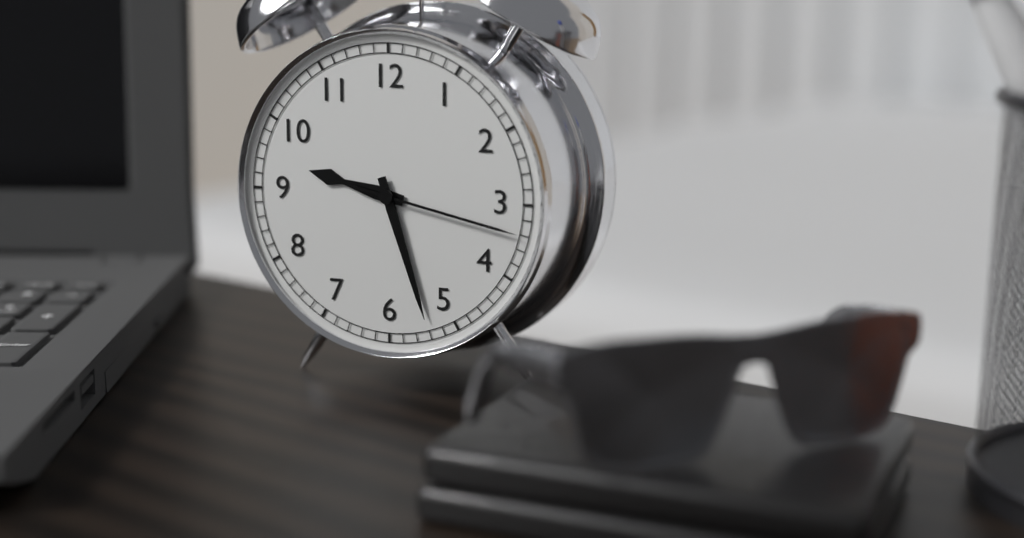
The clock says 9:27:17
